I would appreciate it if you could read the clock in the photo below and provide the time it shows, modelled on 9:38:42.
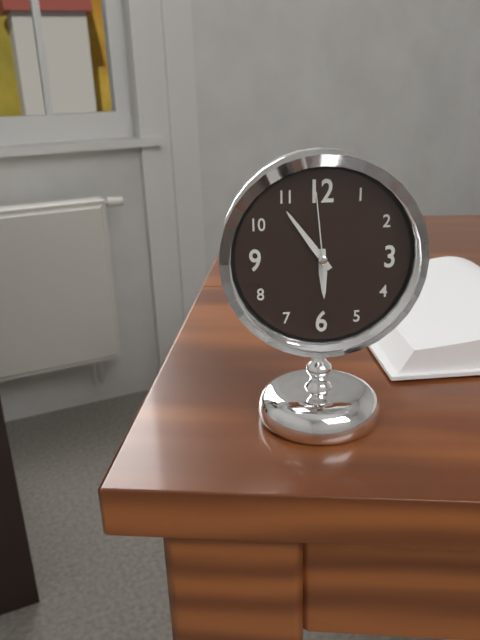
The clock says 5:54:59
